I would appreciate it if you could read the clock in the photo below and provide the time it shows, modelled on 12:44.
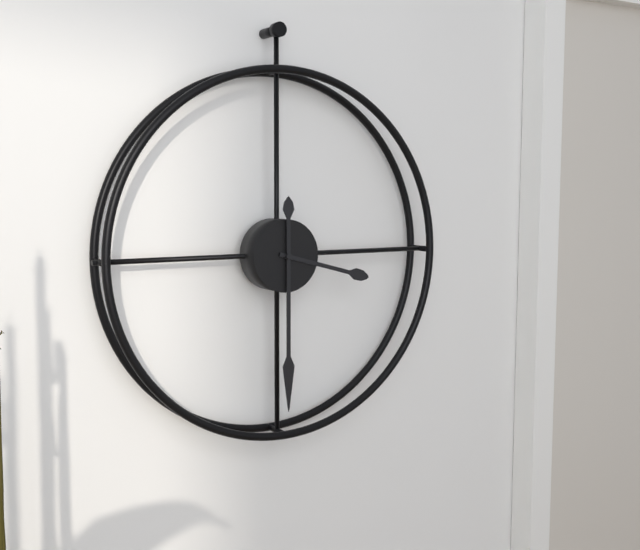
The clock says 3:30
